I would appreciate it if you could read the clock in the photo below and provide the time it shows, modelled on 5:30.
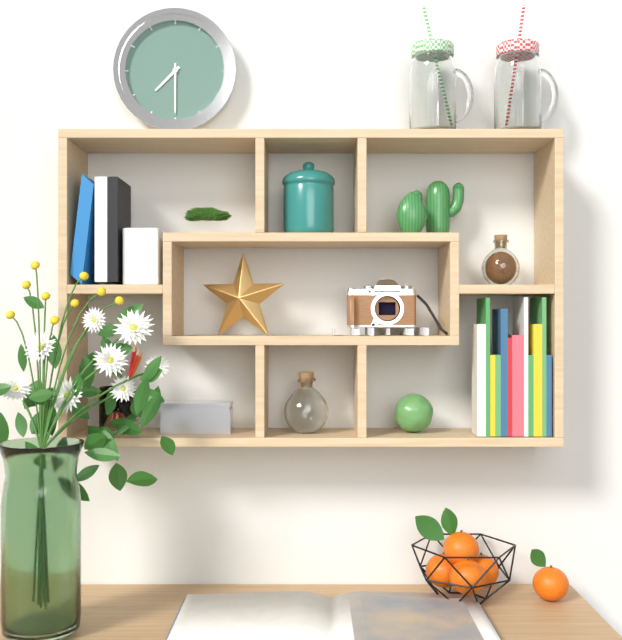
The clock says 7:30
